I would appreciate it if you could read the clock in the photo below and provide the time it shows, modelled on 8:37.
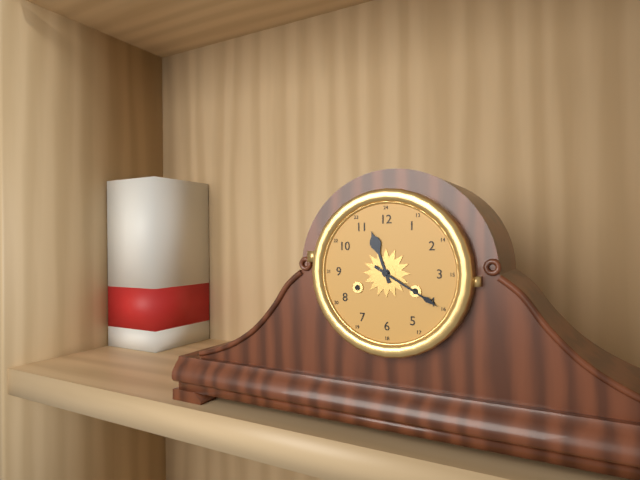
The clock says 11:20
